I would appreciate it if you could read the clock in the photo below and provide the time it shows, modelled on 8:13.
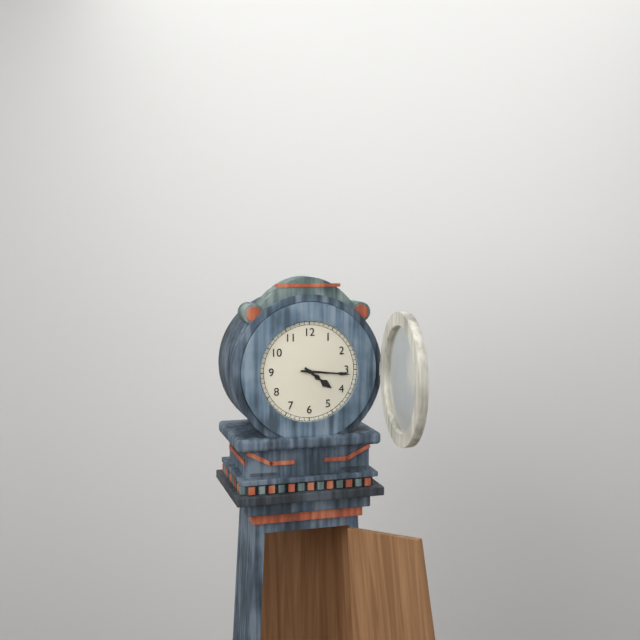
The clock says 4:16
